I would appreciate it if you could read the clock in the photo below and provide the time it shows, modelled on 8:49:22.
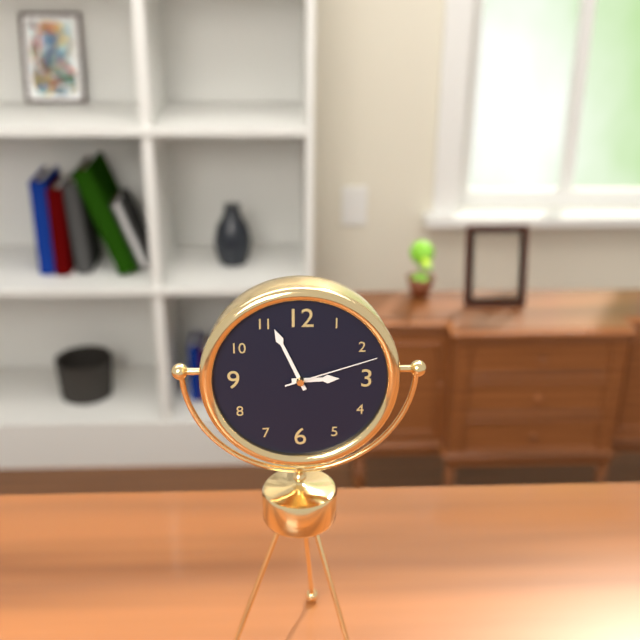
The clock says 2:56:12
